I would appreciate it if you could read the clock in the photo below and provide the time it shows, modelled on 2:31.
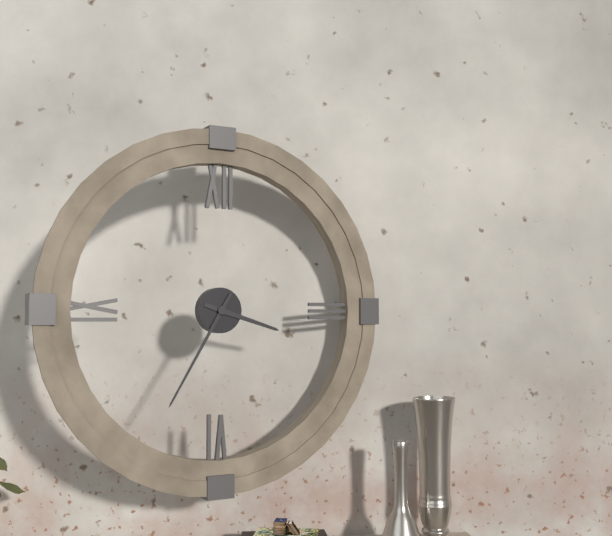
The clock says 3:35
